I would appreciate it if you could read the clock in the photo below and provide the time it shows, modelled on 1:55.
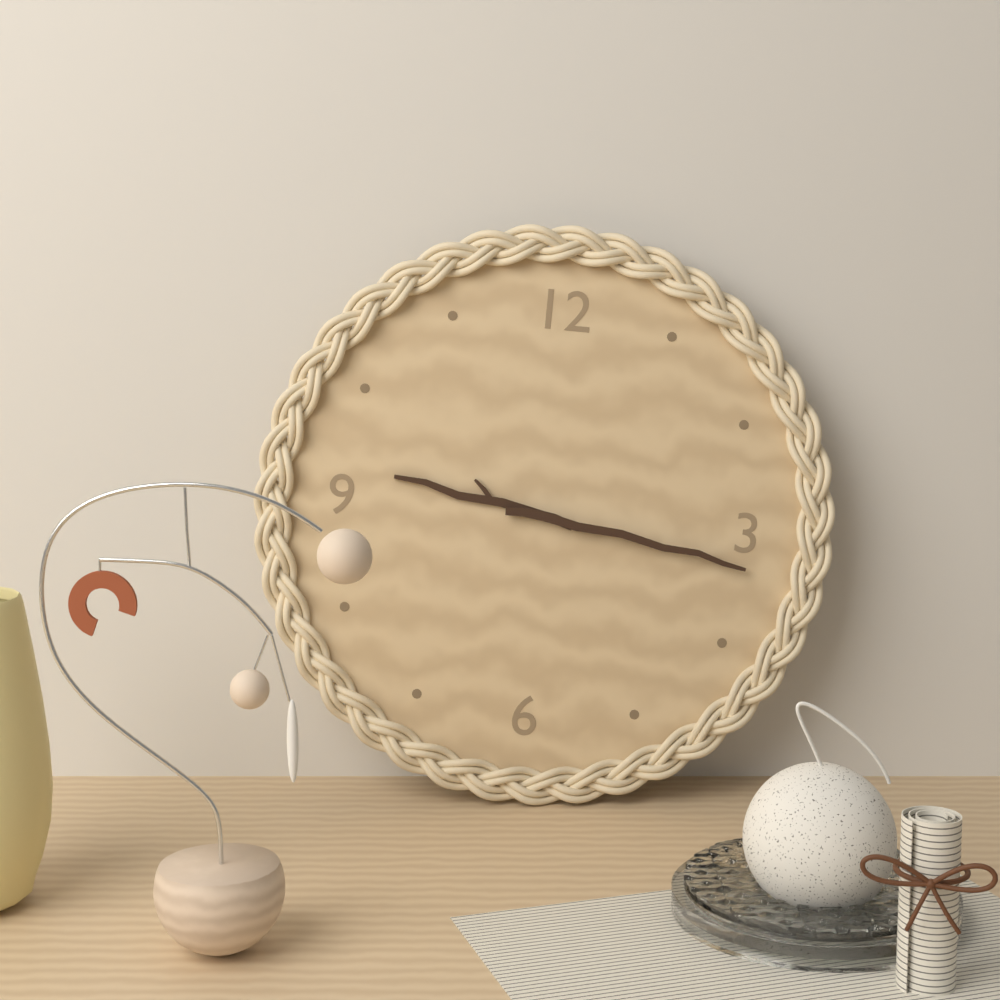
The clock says 9:16
